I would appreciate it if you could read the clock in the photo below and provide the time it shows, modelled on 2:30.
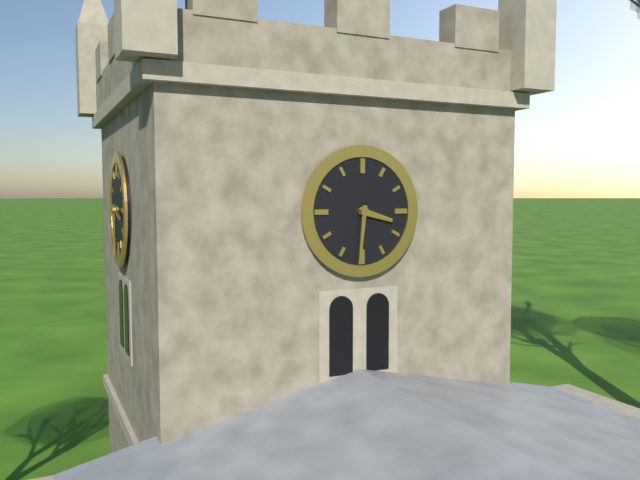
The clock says 3:31
